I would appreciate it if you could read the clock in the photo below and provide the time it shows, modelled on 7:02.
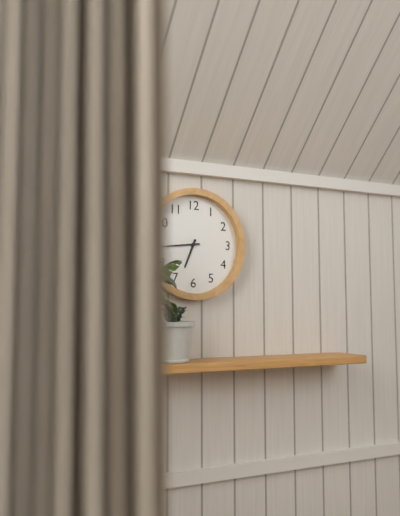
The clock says 6:44
